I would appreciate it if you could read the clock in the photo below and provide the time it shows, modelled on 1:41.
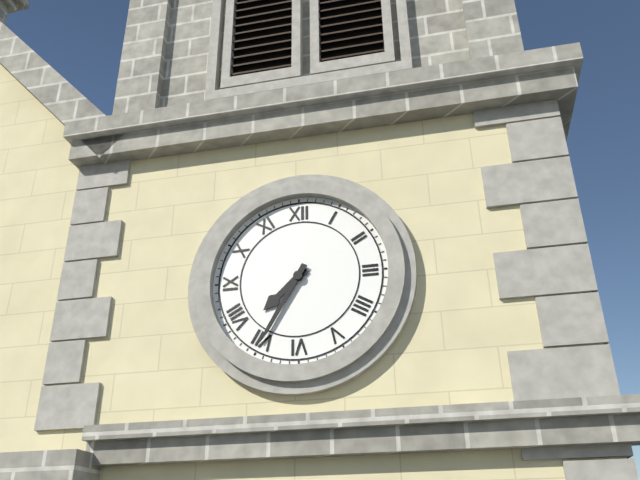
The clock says 7:35
